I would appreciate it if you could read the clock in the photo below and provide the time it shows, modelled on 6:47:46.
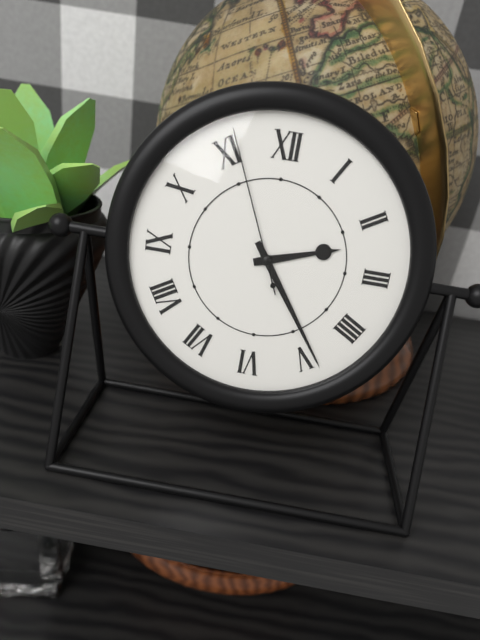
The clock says 2:24:56
